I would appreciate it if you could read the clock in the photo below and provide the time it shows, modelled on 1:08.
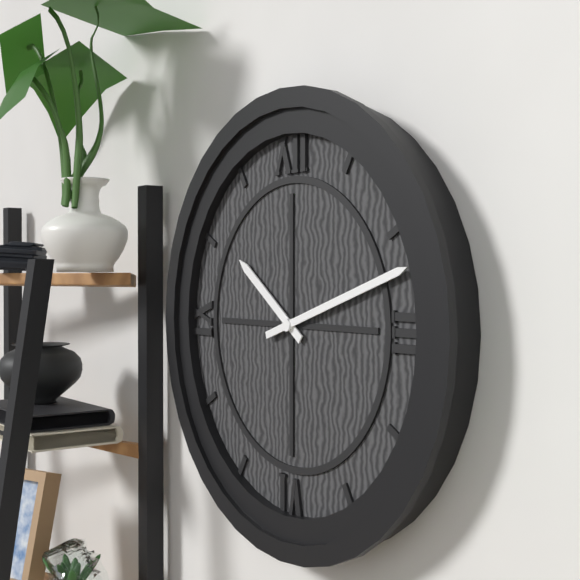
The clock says 10:12
